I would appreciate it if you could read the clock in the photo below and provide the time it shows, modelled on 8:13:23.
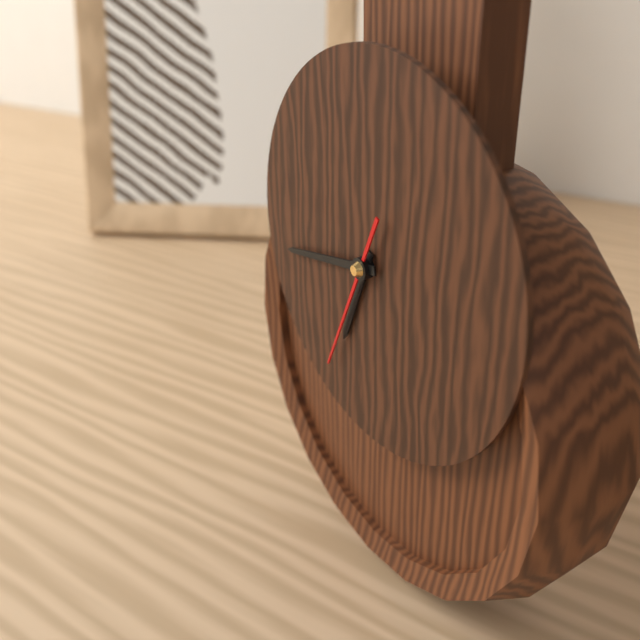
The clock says 6:43:34
